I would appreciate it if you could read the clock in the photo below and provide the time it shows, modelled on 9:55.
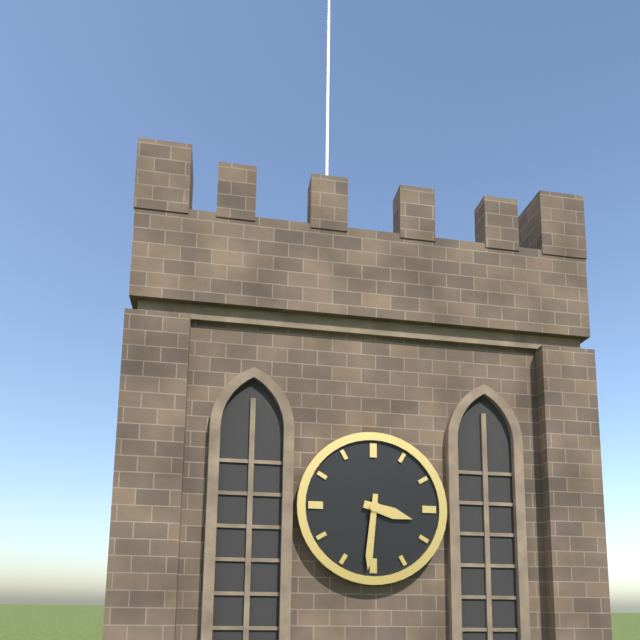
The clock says 3:31
